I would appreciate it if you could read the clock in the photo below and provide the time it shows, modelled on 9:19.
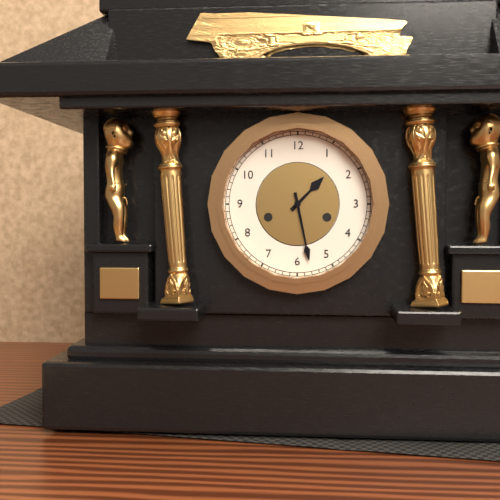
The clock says 1:28
